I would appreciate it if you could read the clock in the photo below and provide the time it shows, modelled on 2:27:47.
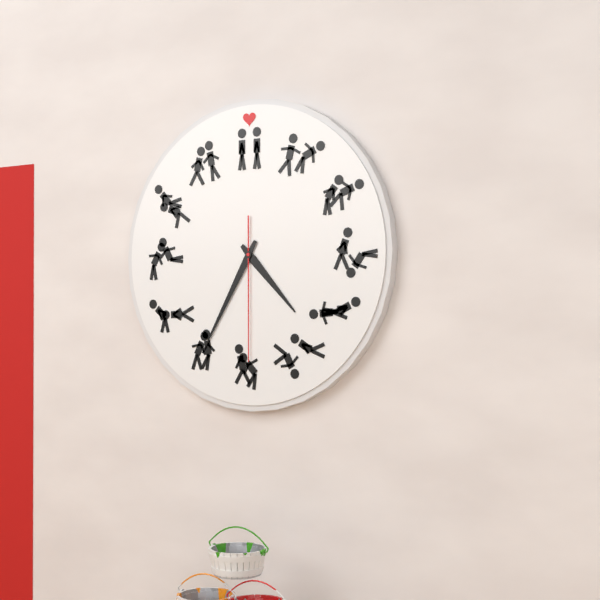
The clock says 4:35:30
